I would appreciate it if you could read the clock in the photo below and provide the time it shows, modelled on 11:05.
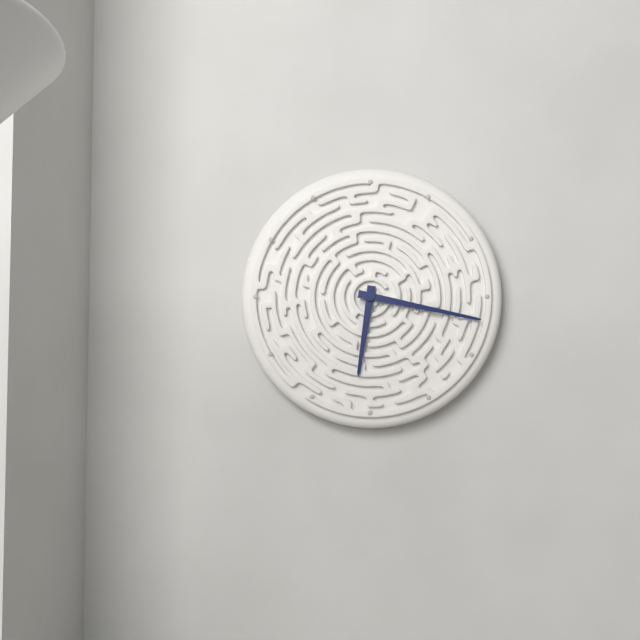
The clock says 6:17
